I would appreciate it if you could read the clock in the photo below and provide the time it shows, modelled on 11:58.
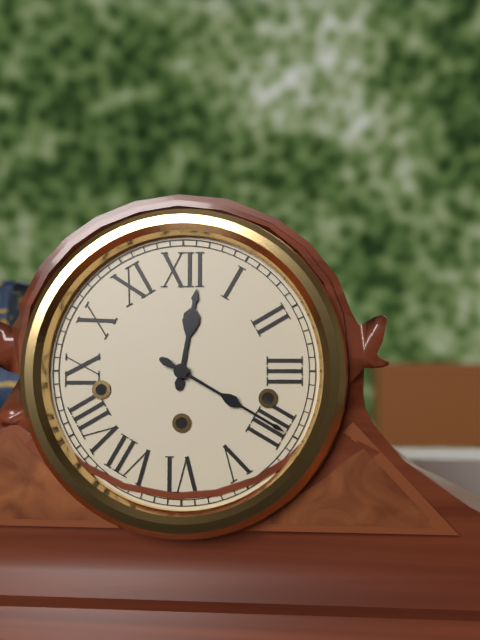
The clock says 12:20
